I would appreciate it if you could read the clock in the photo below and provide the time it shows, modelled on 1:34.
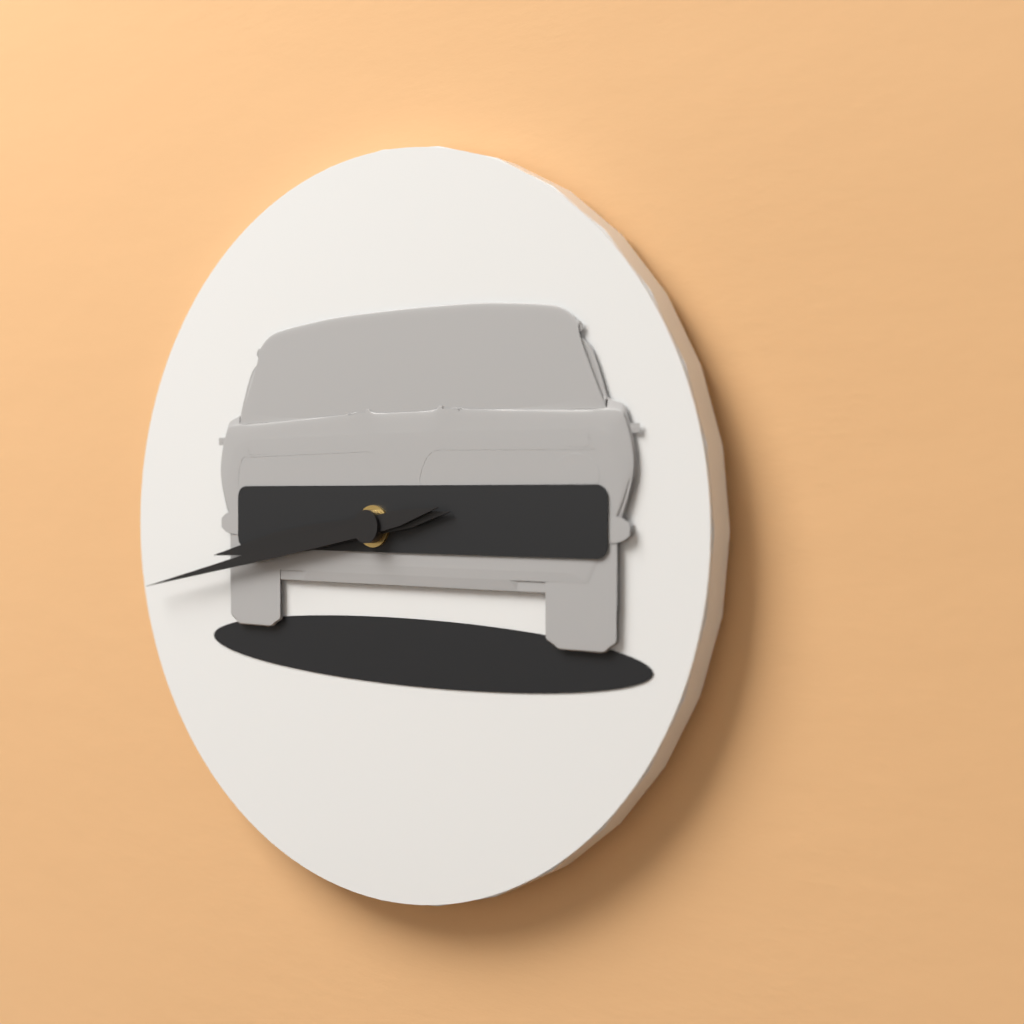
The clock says 8:43
